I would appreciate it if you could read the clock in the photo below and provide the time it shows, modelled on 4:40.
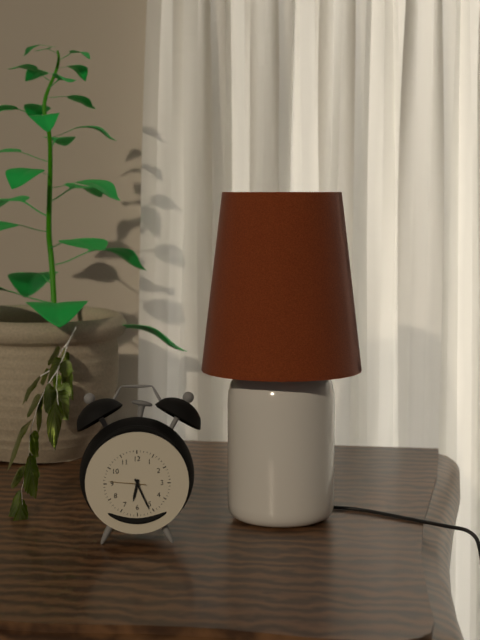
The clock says 6:26
